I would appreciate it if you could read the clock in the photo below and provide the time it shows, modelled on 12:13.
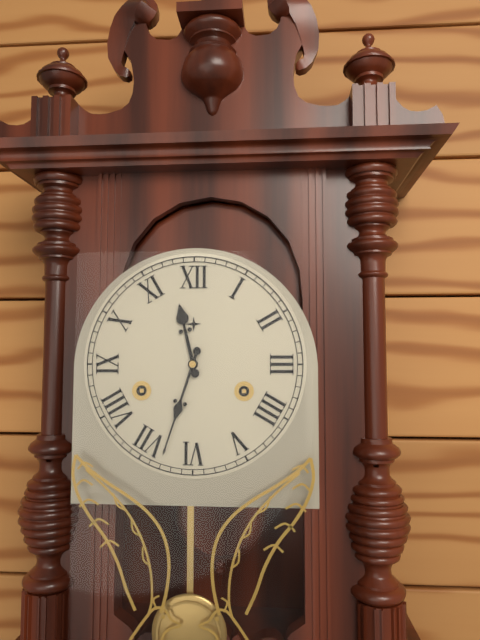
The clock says 11:33
